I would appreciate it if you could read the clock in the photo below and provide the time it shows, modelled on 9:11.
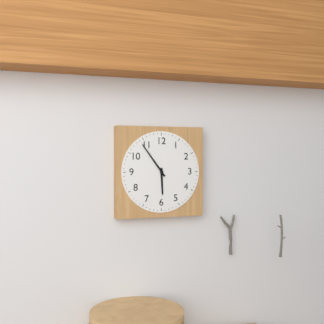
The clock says 5:54
